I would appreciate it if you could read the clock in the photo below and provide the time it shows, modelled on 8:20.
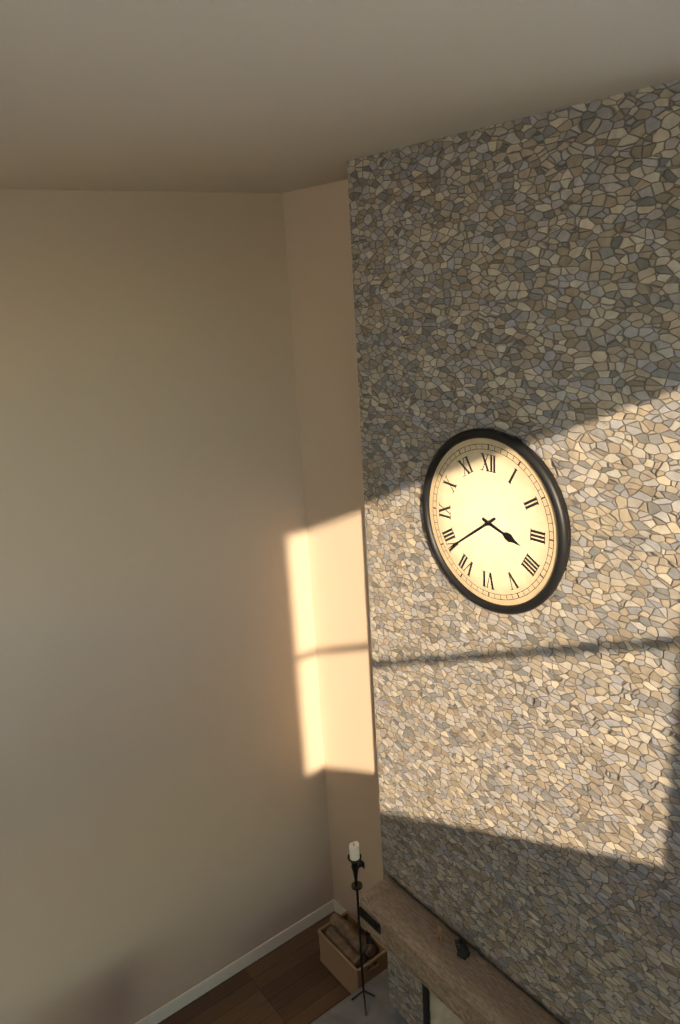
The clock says 3:39
